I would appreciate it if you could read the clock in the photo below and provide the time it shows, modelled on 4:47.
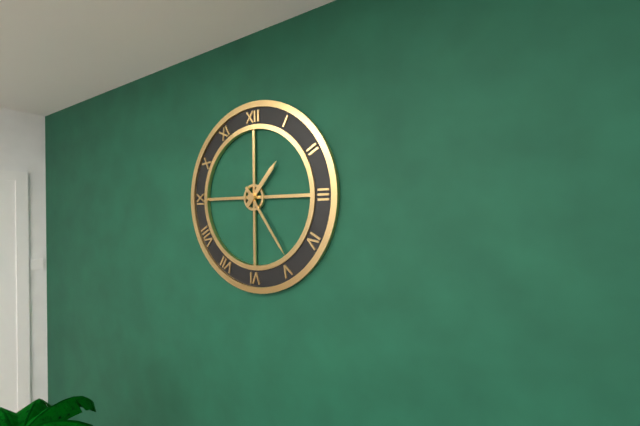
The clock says 1:24
